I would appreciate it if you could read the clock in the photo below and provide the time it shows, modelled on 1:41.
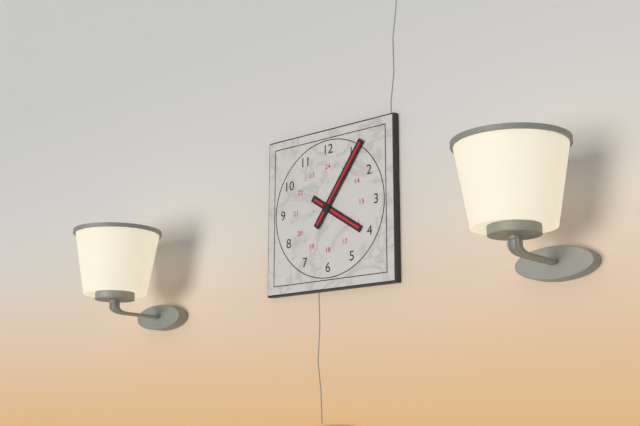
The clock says 4:06
